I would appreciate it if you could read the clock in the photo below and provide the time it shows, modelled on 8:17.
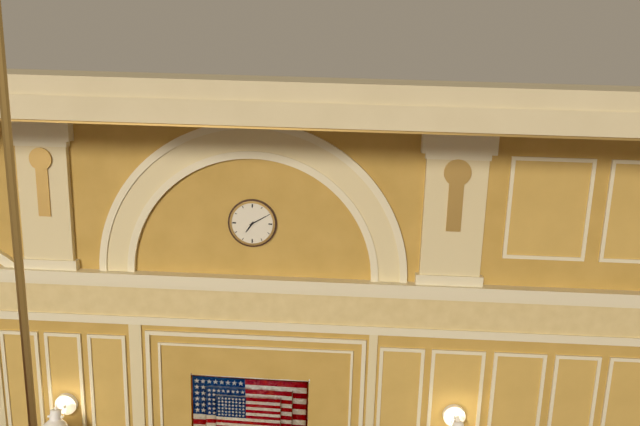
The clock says 7:10
